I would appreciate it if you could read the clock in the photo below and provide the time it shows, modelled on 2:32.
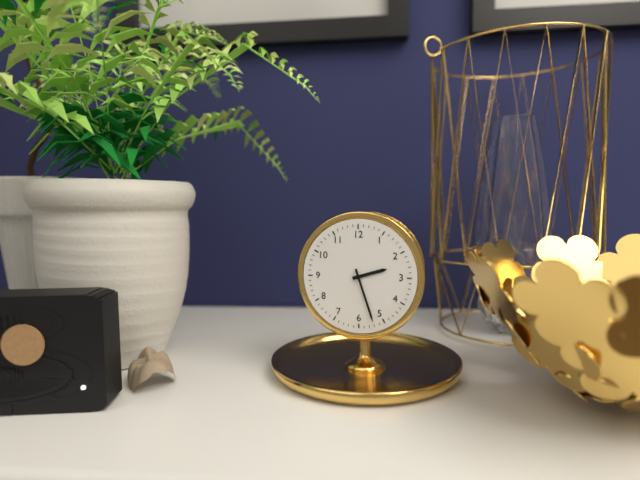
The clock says 2:27
